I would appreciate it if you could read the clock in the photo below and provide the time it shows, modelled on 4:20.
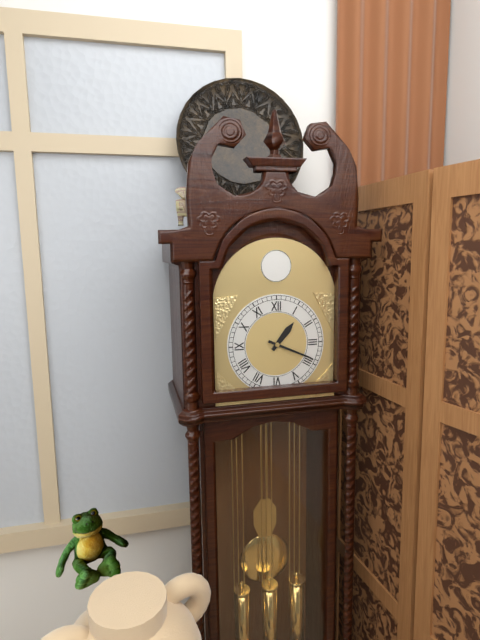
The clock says 1:19
